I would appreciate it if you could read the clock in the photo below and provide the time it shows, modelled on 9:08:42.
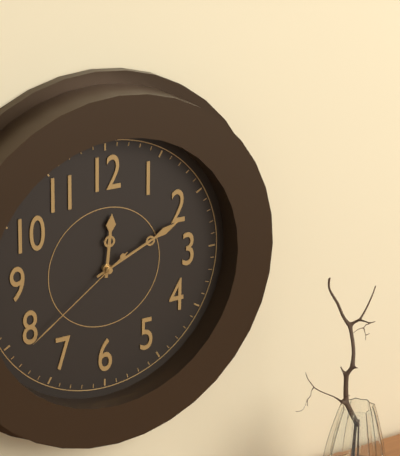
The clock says 12:11:39
